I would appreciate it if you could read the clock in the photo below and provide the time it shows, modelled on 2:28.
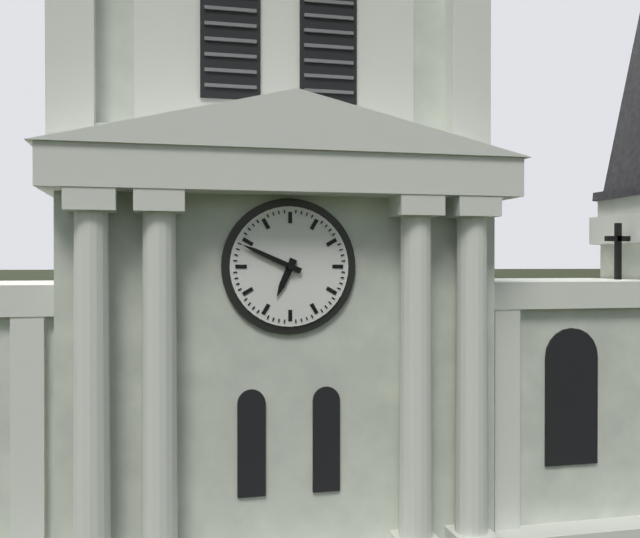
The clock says 6:49
